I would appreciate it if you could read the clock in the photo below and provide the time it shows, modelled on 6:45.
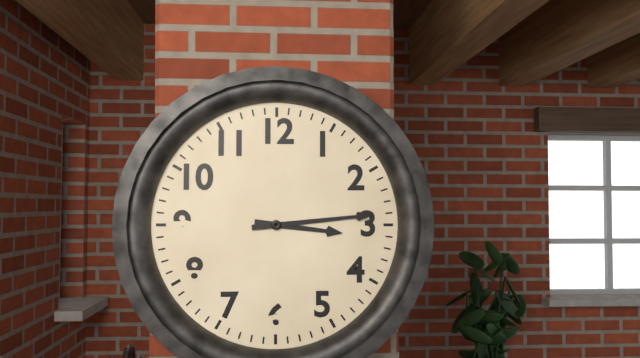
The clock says 3:14
